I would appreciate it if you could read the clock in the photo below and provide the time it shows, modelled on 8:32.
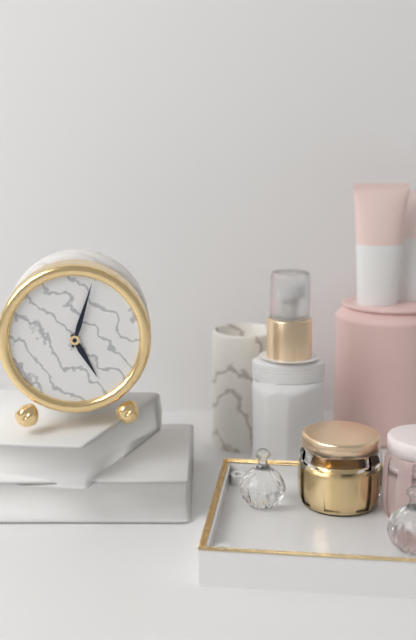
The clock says 5:03
